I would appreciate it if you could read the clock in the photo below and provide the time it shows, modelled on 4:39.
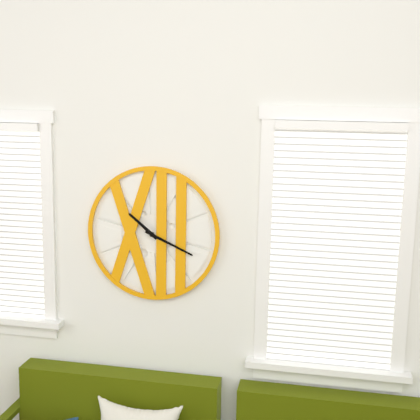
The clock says 10:19
